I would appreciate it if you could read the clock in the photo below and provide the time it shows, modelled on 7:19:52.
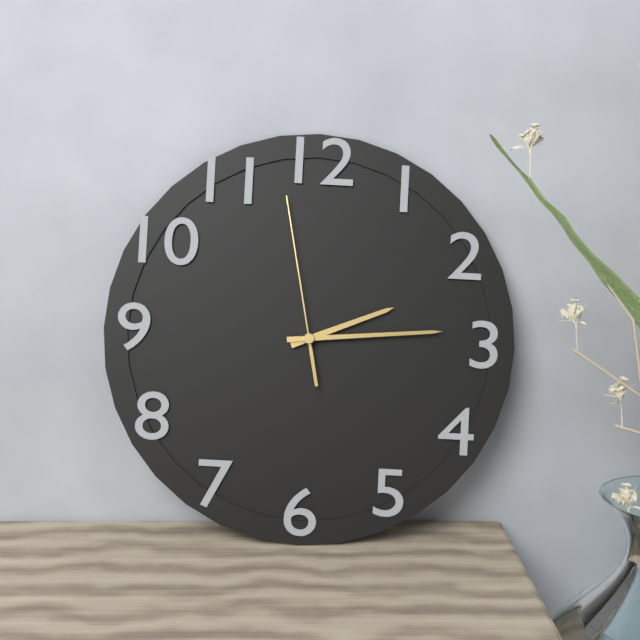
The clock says 2:14:58
